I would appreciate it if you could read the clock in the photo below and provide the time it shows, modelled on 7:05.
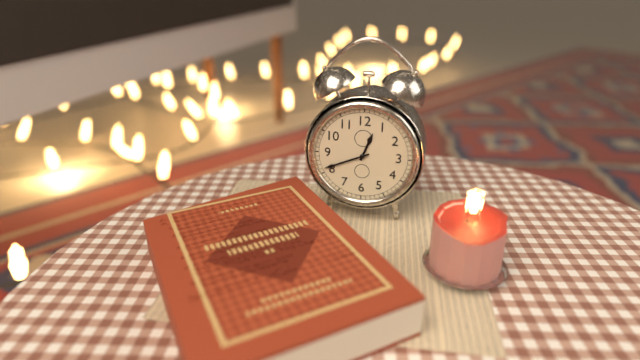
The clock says 12:41
